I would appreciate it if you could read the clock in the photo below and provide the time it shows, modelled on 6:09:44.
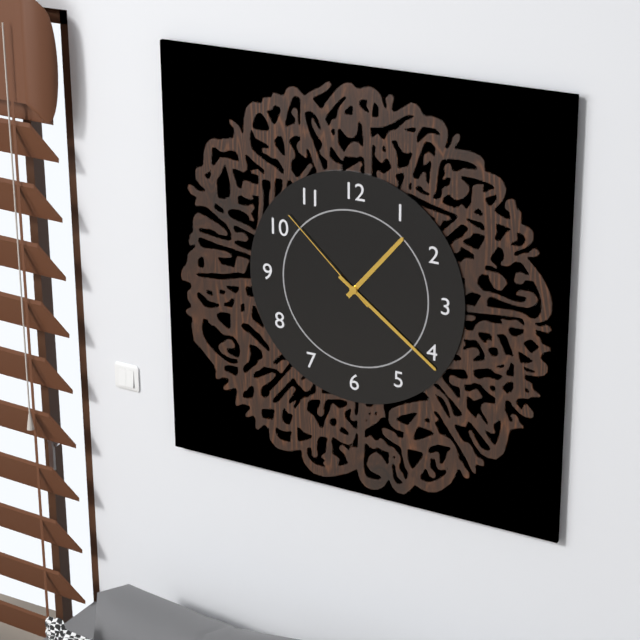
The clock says 1:21:52
